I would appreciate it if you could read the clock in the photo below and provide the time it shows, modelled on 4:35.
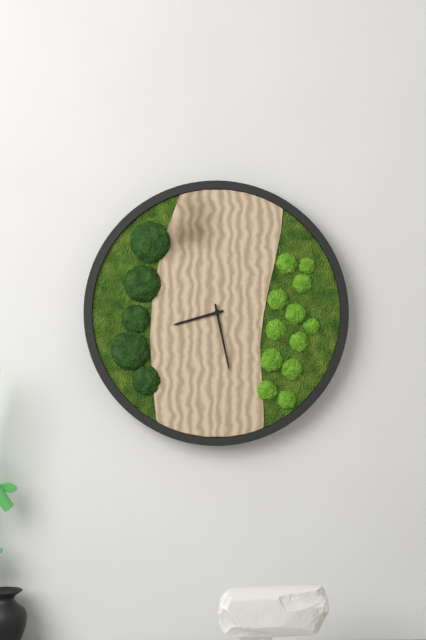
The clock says 8:28
